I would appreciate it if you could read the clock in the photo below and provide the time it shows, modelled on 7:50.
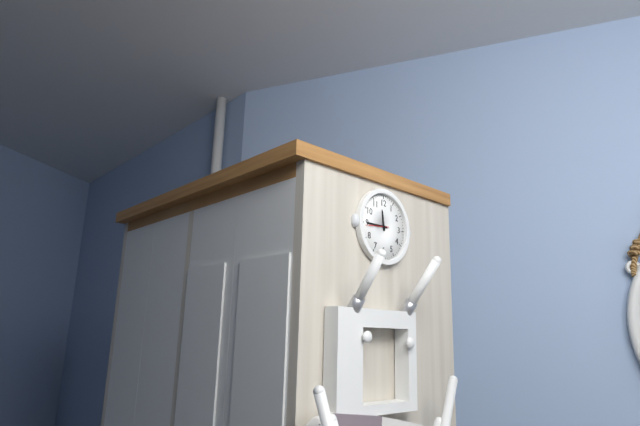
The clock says 11:45
